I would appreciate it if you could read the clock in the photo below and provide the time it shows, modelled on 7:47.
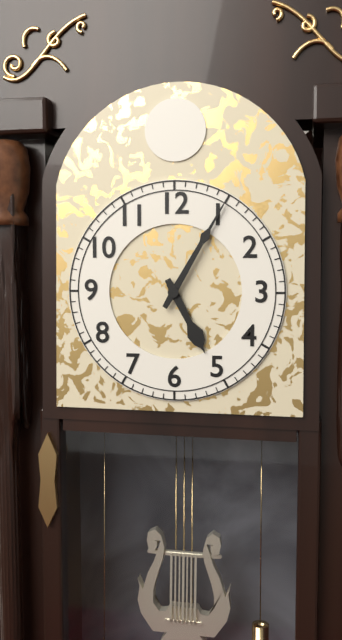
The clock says 5:05
